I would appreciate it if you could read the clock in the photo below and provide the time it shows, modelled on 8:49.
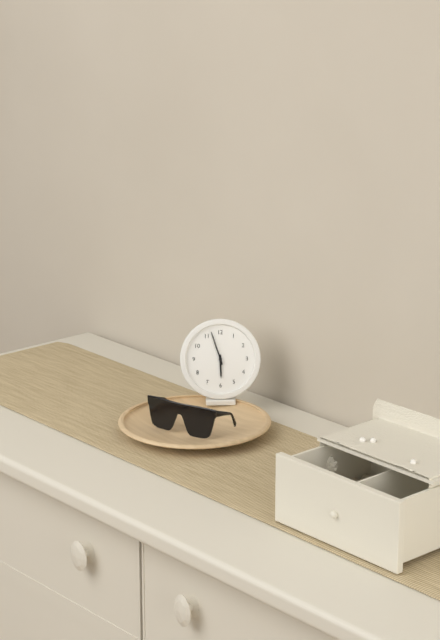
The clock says 5:57
